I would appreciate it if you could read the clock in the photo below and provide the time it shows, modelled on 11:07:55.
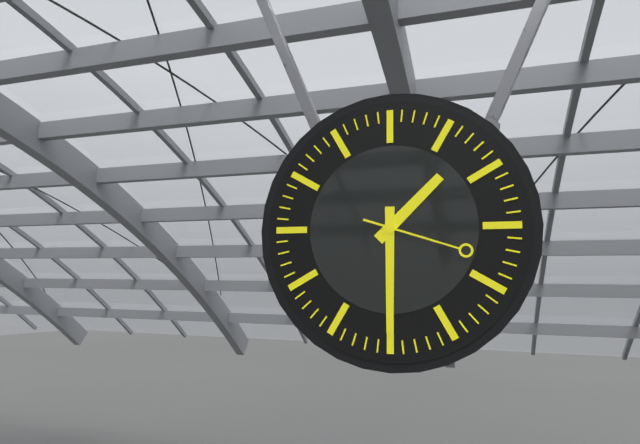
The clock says 1:30:18
